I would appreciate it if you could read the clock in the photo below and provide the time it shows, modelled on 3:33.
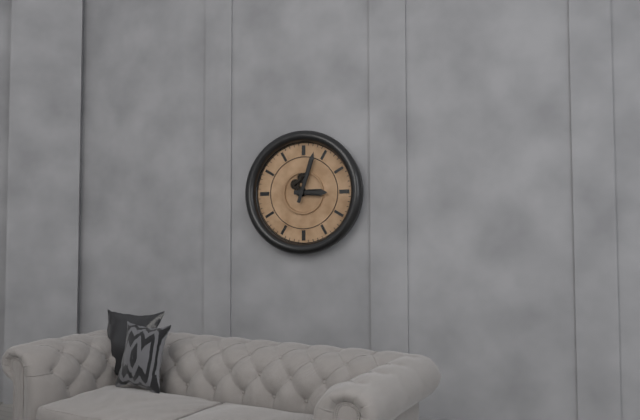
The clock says 3:03
